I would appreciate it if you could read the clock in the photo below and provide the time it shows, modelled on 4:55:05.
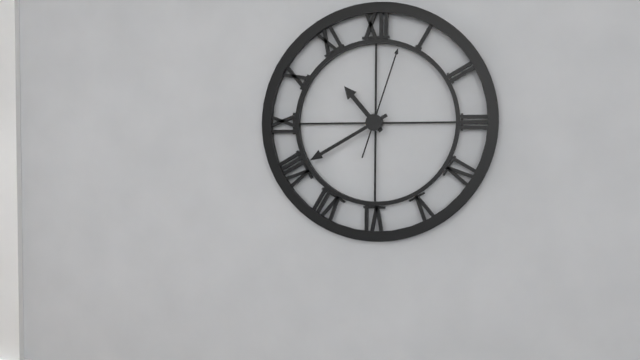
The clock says 10:40:03
